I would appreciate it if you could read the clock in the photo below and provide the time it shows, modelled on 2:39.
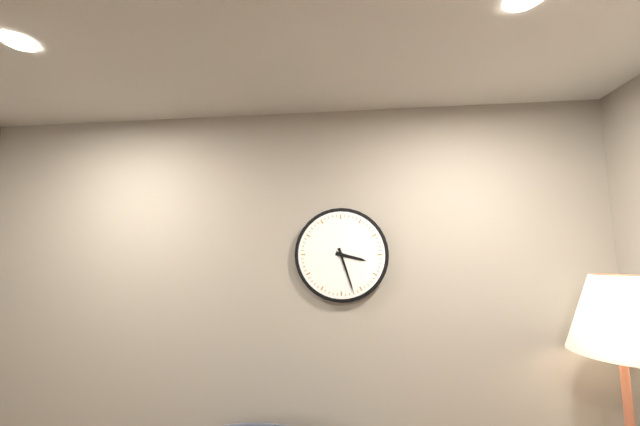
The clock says 3:27
